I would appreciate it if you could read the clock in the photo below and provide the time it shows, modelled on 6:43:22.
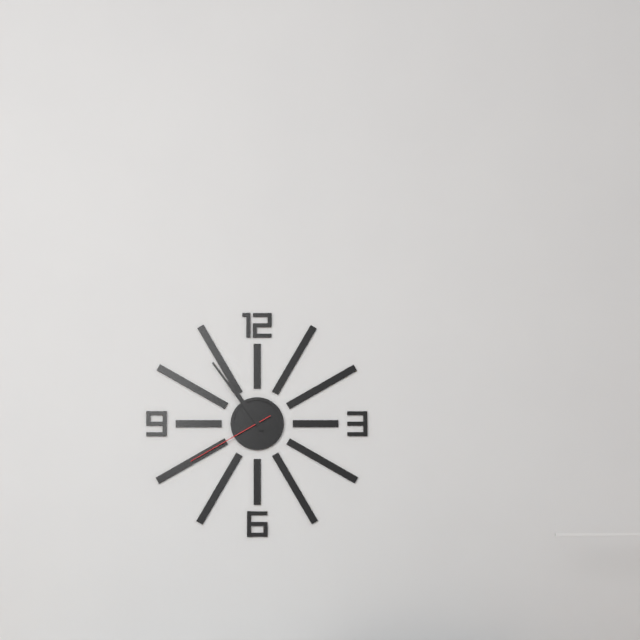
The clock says 10:54:40
